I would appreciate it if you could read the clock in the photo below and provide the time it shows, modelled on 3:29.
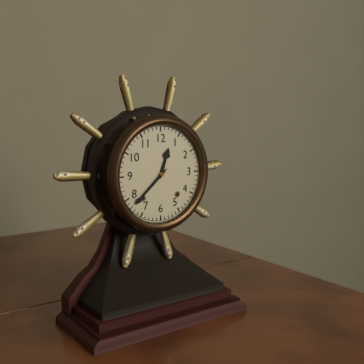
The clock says 12:38
